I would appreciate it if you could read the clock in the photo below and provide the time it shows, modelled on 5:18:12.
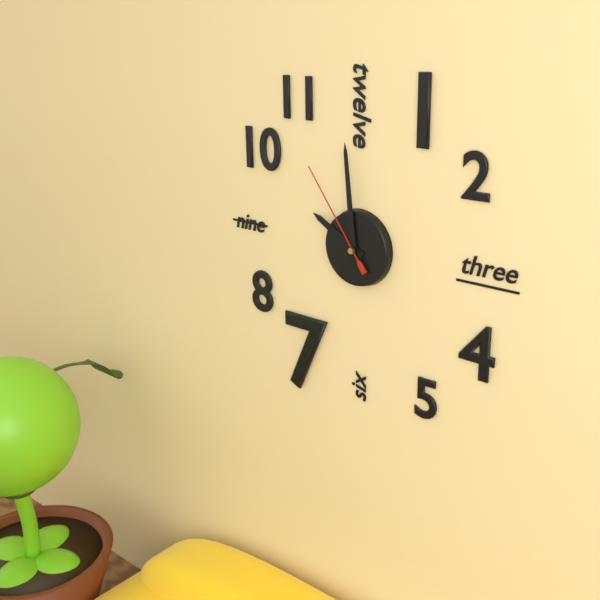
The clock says 9:59:54
